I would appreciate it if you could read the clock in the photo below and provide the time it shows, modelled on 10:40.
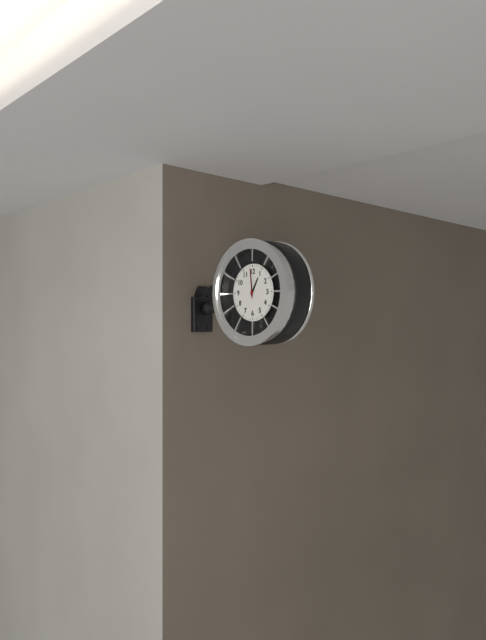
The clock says 12:59
